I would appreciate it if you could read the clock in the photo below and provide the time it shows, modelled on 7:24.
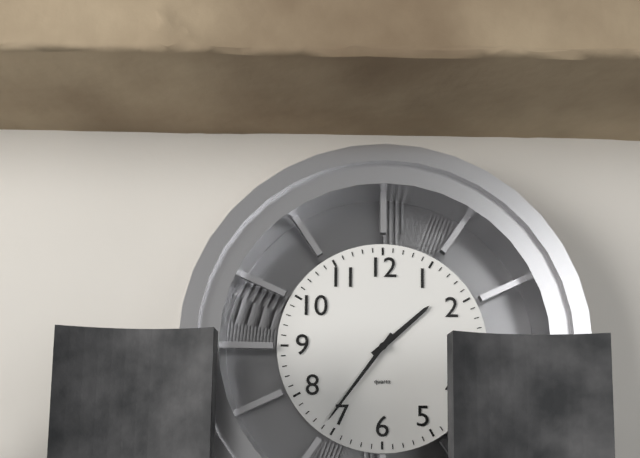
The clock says 1:36
